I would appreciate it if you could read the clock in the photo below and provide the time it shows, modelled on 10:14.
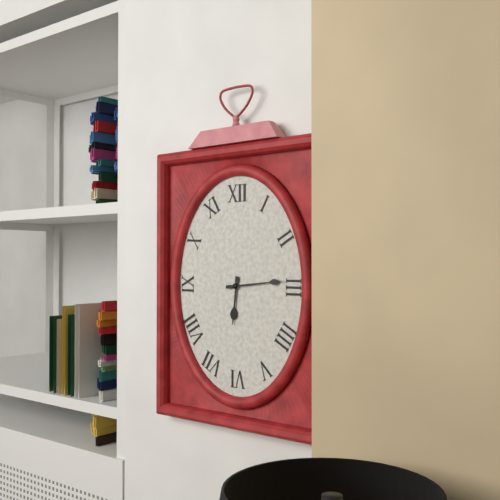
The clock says 6:14
